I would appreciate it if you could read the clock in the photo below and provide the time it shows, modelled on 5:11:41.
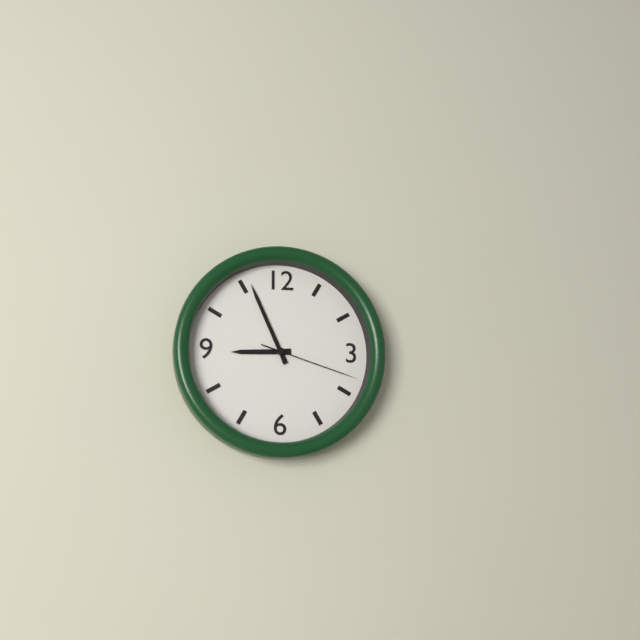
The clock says 8:56:18
